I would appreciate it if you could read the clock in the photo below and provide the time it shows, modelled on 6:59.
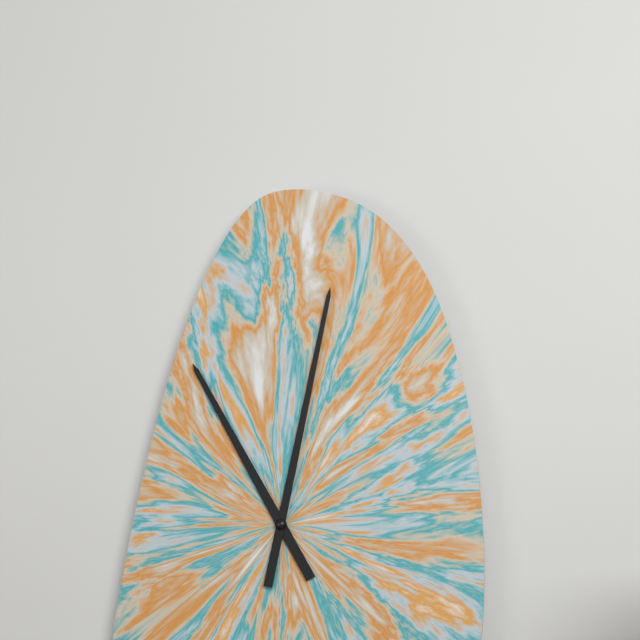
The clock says 11:02
